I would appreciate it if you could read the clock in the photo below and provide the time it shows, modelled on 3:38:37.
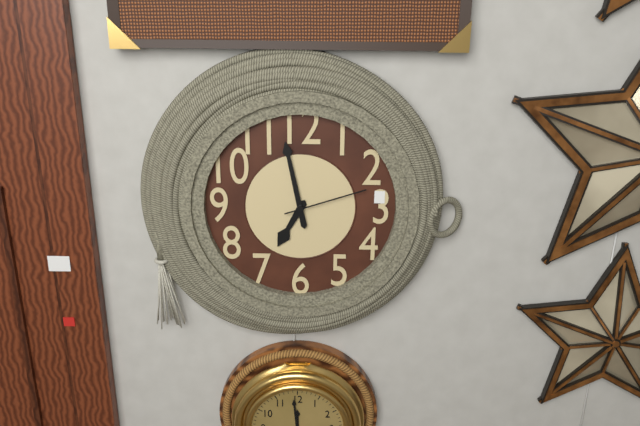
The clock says 6:58:12
